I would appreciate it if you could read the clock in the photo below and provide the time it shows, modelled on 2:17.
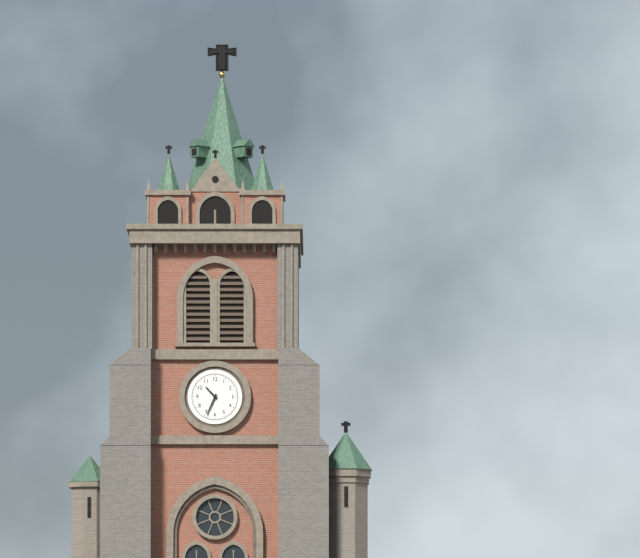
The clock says 10:34
